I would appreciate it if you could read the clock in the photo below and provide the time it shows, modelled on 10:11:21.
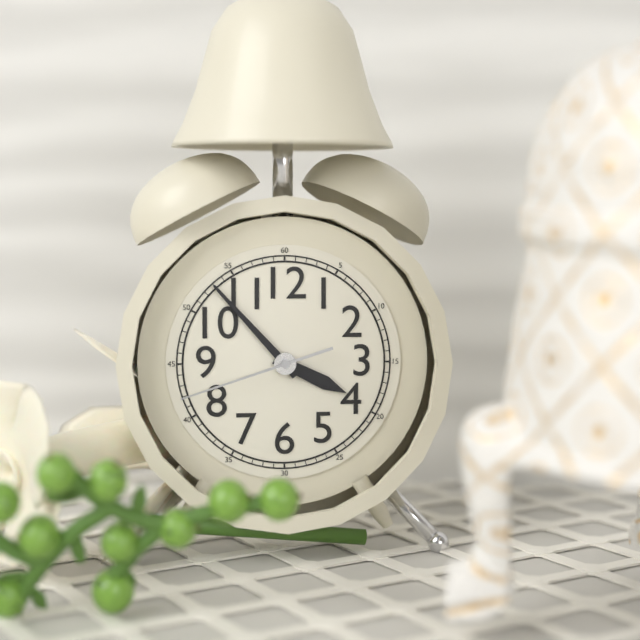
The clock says 3:53:42
